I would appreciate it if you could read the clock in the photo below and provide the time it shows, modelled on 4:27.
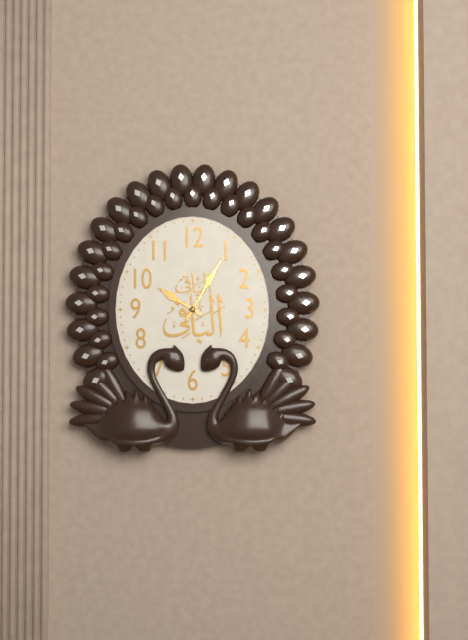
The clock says 10:05
